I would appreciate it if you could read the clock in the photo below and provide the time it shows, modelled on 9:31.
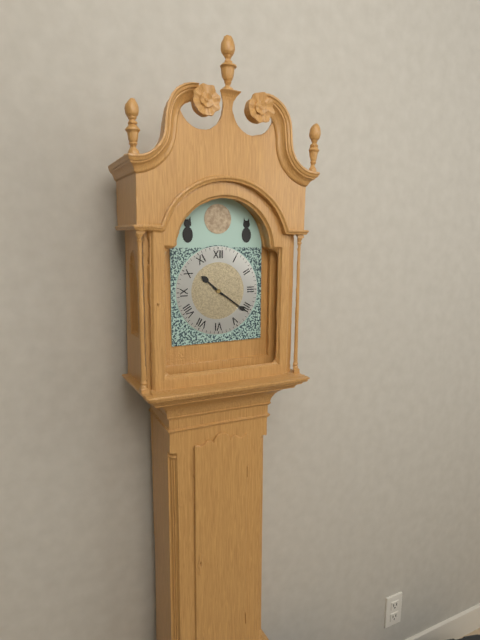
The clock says 10:21
